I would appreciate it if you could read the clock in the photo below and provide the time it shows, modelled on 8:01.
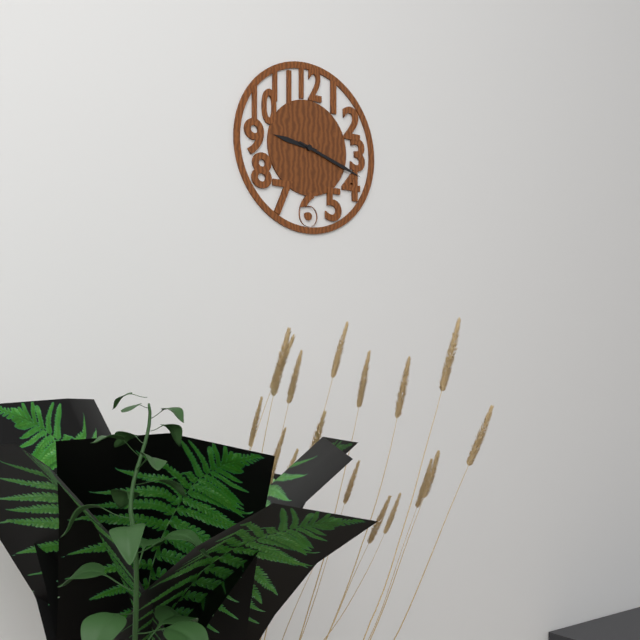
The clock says 9:18
